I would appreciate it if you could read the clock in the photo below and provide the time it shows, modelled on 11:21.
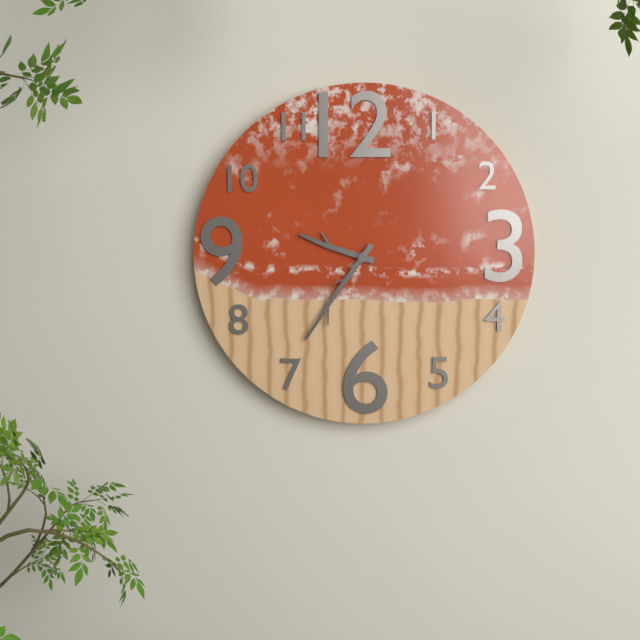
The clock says 9:36
